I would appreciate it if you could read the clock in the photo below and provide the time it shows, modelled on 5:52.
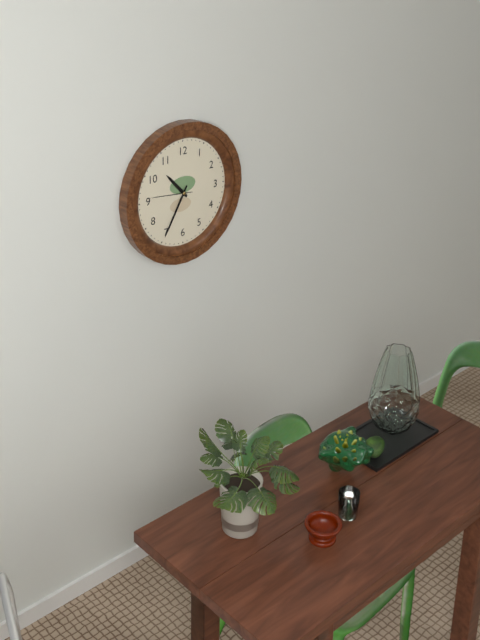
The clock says 10:35
